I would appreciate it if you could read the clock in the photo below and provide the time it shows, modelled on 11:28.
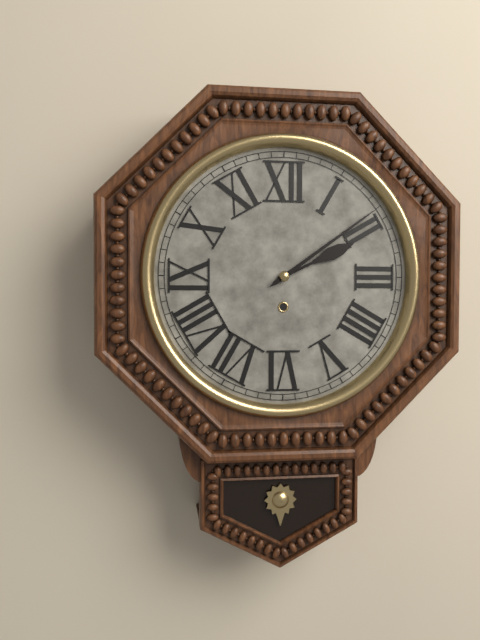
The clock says 2:09
